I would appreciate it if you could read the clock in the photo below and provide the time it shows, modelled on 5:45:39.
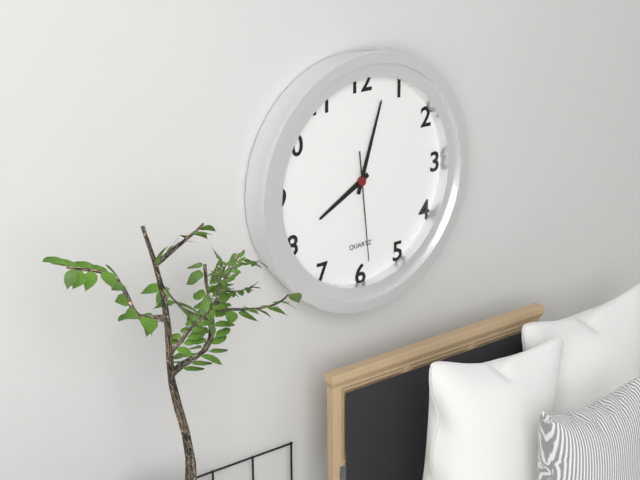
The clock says 8:03:29
